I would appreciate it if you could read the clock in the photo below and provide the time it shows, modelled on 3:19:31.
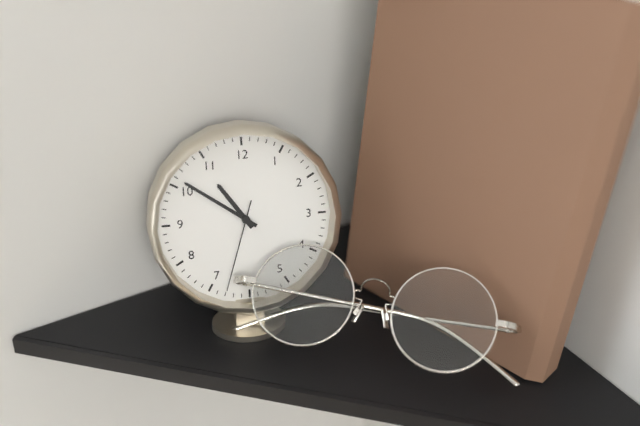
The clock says 10:51:33
